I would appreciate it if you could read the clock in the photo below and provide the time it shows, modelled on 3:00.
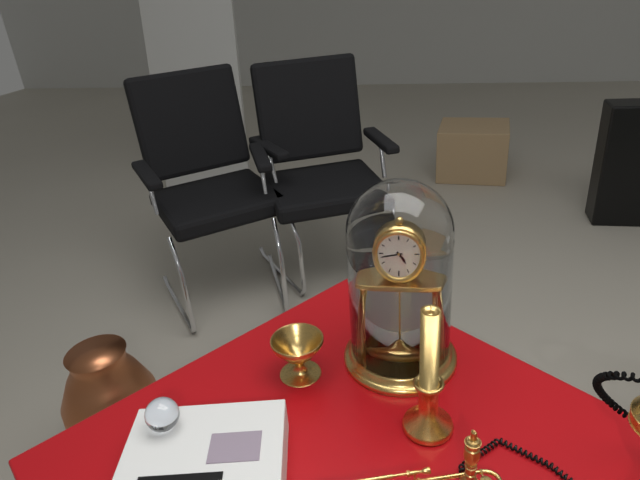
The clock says 4:43
